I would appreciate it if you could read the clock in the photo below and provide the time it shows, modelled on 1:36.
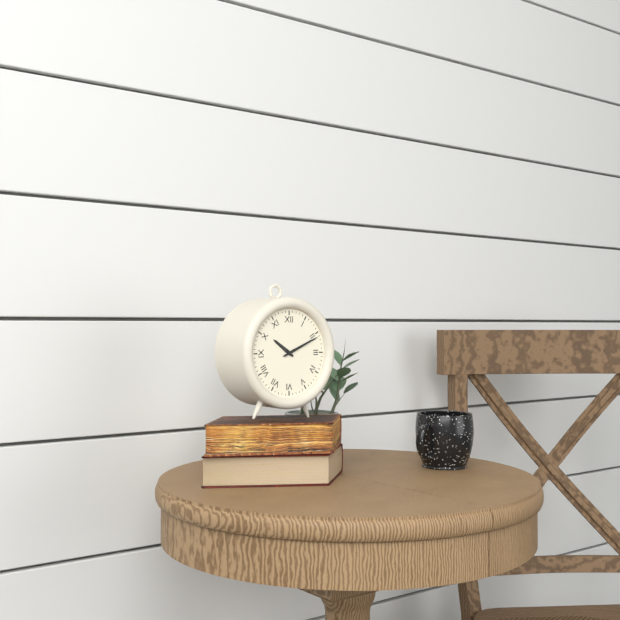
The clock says 10:11
